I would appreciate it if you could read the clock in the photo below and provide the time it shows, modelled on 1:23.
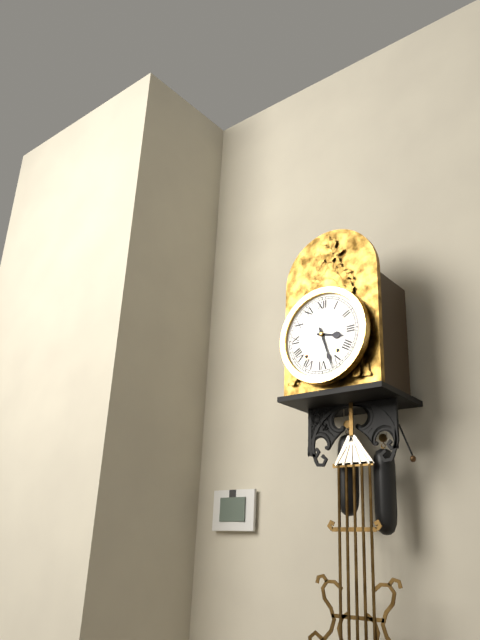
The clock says 3:27
